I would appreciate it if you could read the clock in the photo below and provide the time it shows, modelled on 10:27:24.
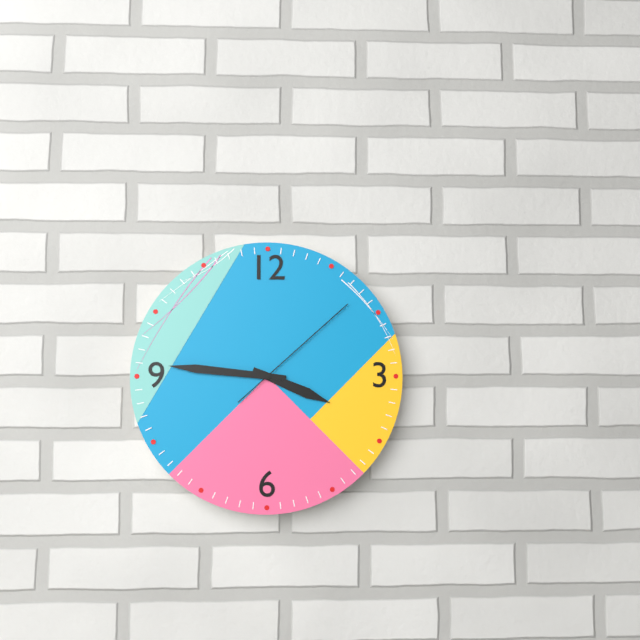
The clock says 3:46:08
